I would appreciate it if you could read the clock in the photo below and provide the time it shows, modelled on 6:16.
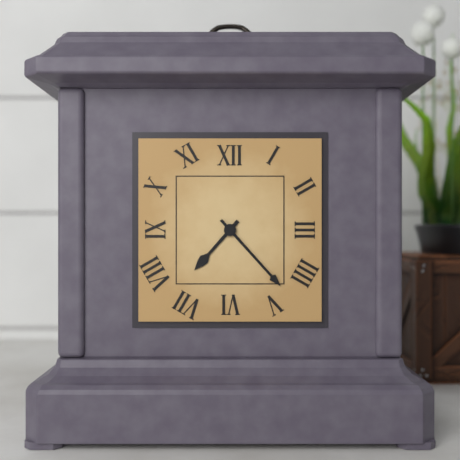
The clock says 7:23
